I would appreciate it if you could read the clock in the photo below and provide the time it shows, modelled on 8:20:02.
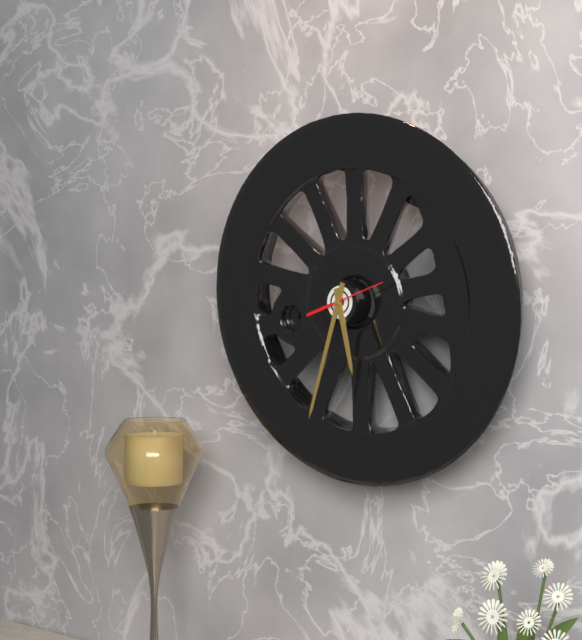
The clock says 5:33:12
